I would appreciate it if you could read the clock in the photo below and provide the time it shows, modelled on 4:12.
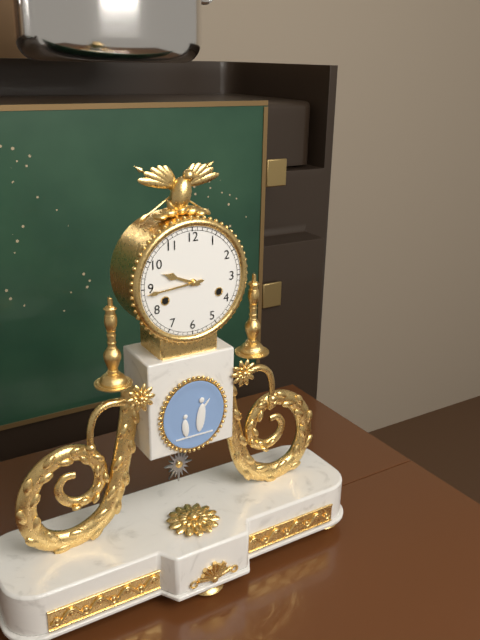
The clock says 9:44
